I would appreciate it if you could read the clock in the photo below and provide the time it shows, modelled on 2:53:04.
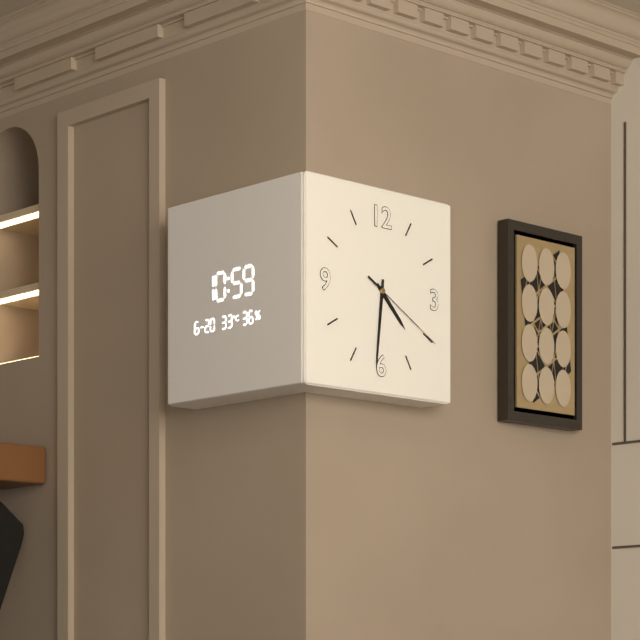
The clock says 4:31:20
